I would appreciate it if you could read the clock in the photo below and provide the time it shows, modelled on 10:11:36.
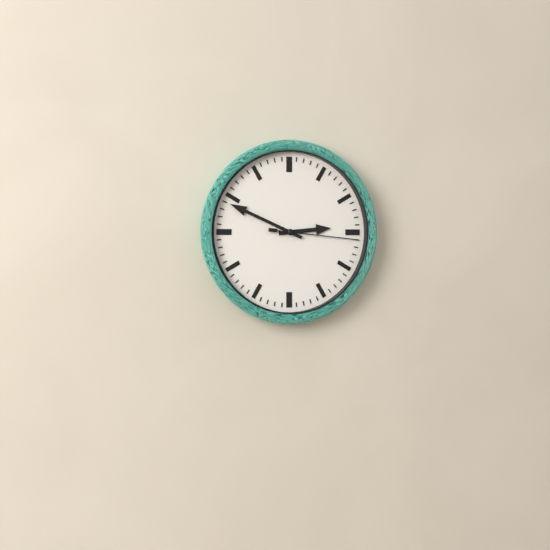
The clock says 2:49:16
